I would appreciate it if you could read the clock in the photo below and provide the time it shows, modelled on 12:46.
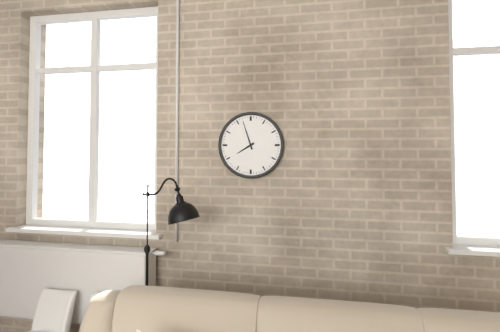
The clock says 7:57
